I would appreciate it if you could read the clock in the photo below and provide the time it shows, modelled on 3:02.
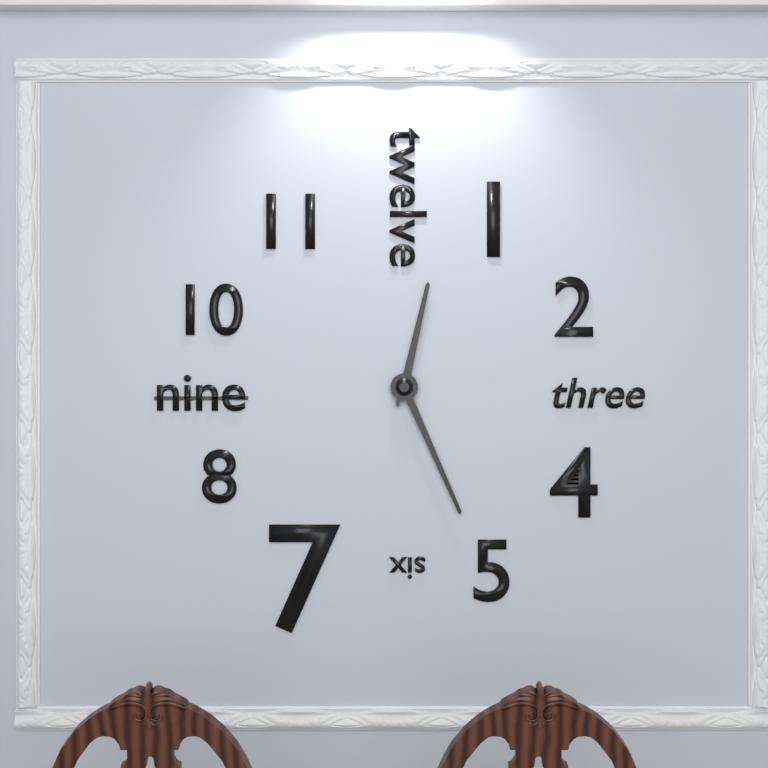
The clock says 12:26
